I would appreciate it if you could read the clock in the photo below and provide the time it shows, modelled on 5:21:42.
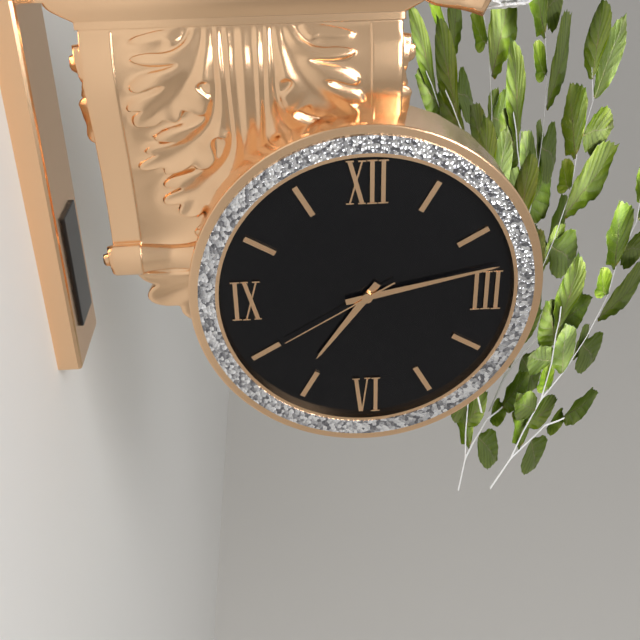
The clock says 7:13:40
